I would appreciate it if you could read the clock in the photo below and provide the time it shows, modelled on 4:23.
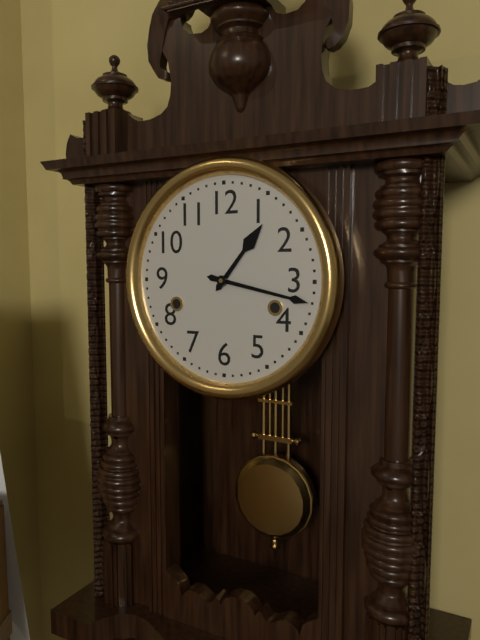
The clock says 1:17
